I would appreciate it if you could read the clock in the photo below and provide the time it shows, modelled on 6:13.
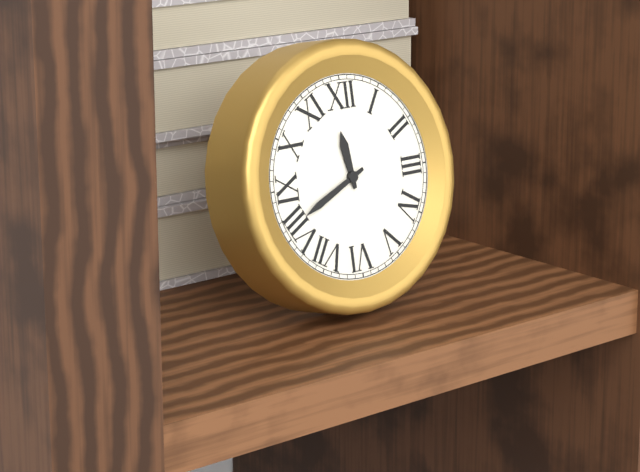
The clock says 11:41
